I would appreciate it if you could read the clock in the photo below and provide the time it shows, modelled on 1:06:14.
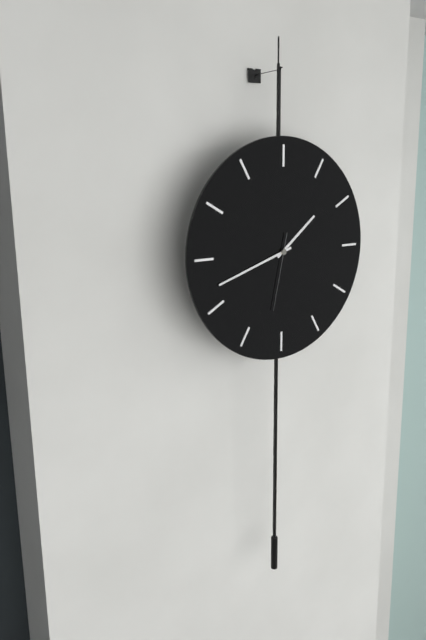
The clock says 1:42:32
